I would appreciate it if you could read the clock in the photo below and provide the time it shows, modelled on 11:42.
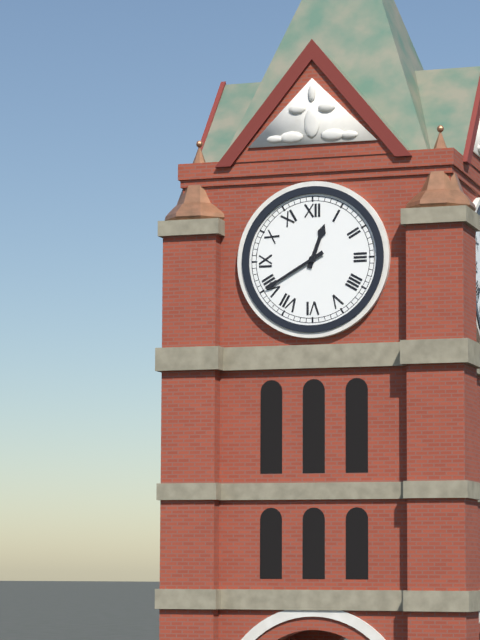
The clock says 12:40
